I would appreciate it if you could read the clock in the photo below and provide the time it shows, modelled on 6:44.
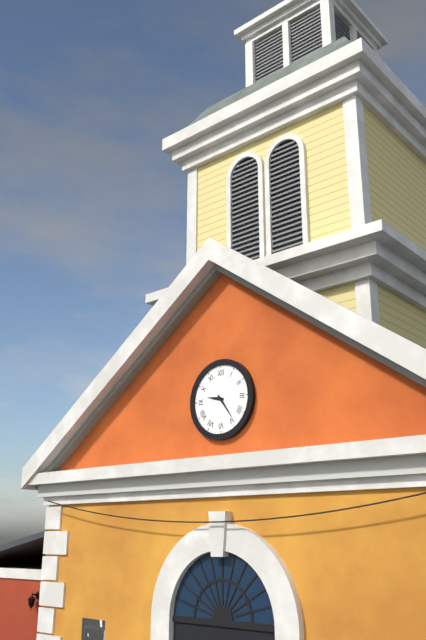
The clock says 9:24
